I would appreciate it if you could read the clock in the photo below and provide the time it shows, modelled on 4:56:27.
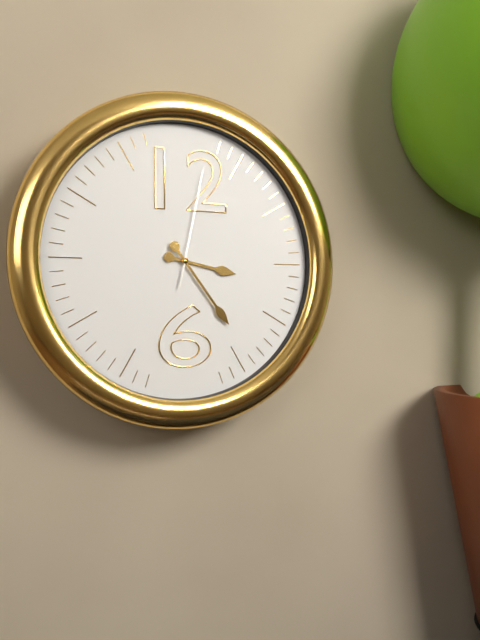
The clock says 3:24:02
